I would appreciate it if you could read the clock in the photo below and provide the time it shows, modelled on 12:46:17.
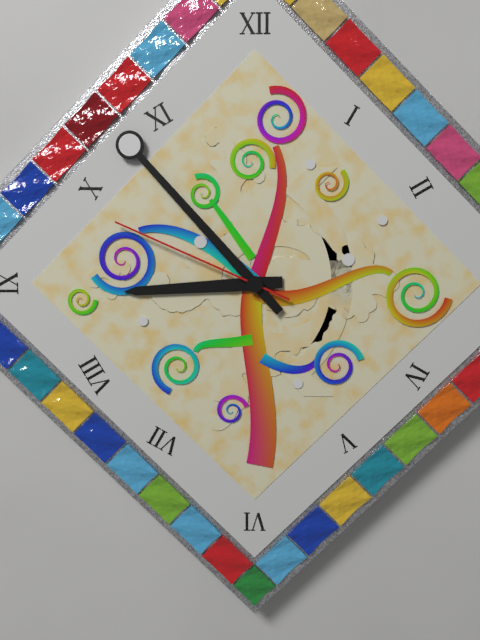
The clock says 8:53:49
